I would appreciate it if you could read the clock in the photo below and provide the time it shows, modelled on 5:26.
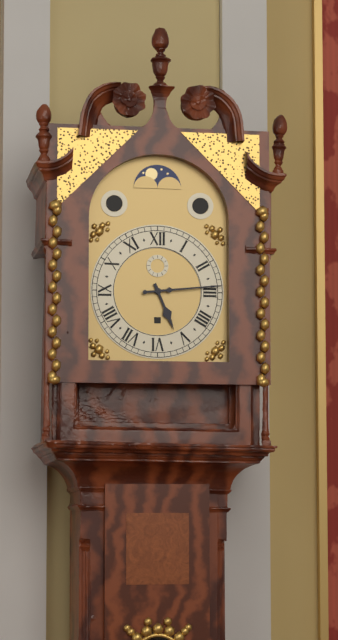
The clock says 5:14
